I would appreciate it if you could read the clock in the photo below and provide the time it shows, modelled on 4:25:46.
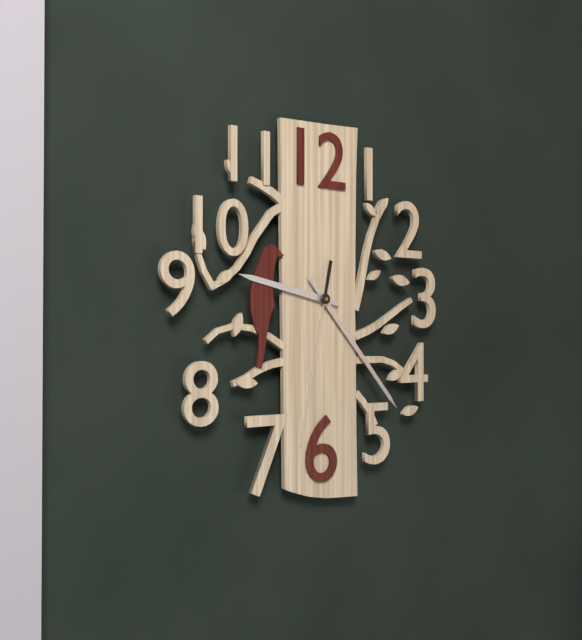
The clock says 9:23:32
